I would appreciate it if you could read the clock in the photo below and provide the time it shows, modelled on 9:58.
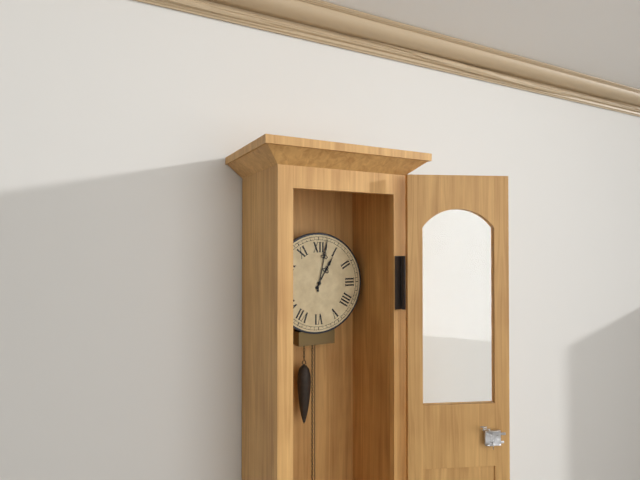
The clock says 1:02
